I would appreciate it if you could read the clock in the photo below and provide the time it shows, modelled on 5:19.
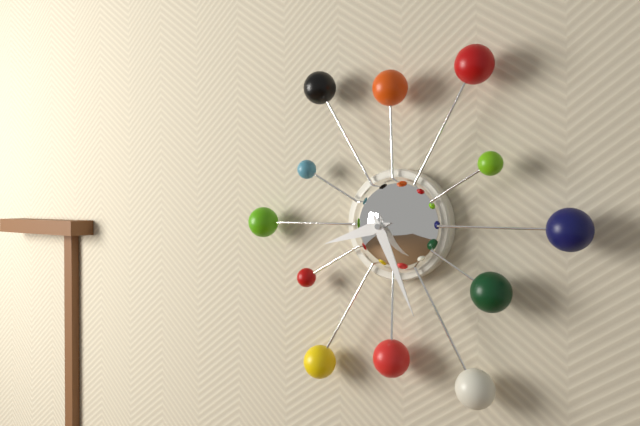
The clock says 8:26
